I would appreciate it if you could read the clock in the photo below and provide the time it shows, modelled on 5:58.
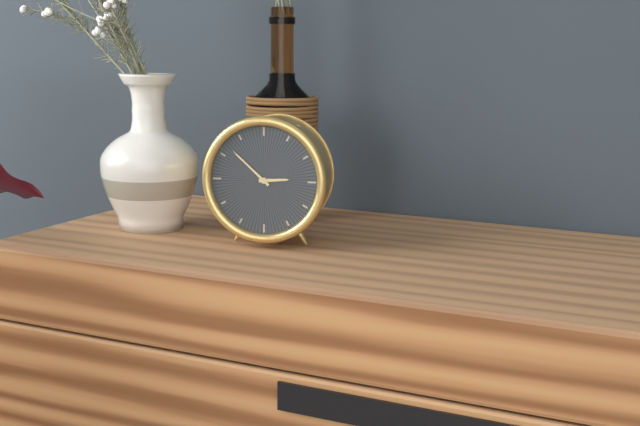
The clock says 2:52
